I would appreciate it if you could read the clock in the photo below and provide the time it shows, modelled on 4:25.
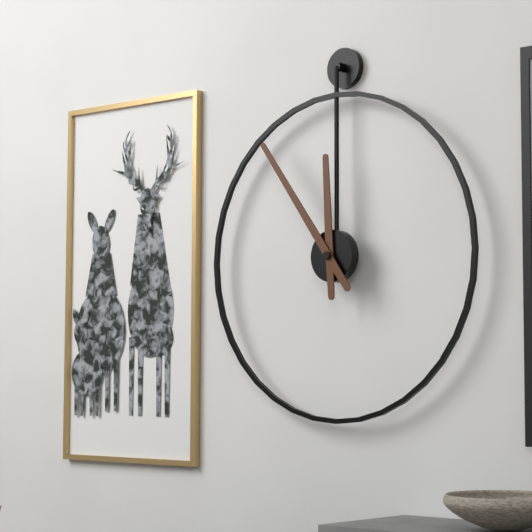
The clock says 11:54
